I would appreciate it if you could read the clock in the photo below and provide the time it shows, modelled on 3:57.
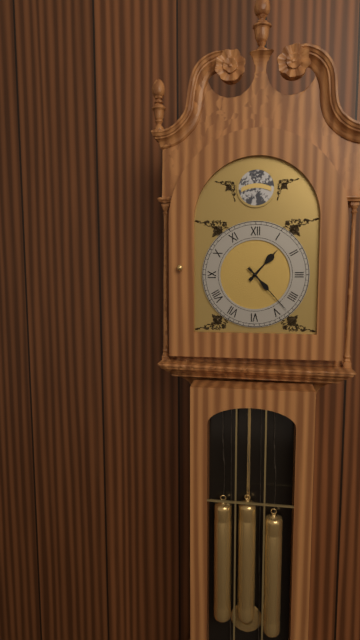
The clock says 1:23
